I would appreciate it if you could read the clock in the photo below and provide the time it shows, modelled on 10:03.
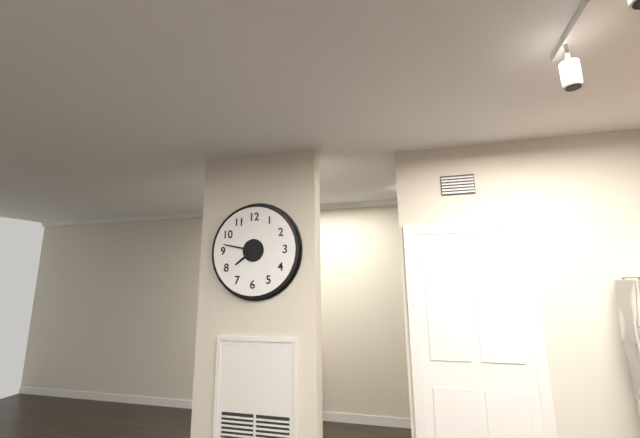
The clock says 7:47
